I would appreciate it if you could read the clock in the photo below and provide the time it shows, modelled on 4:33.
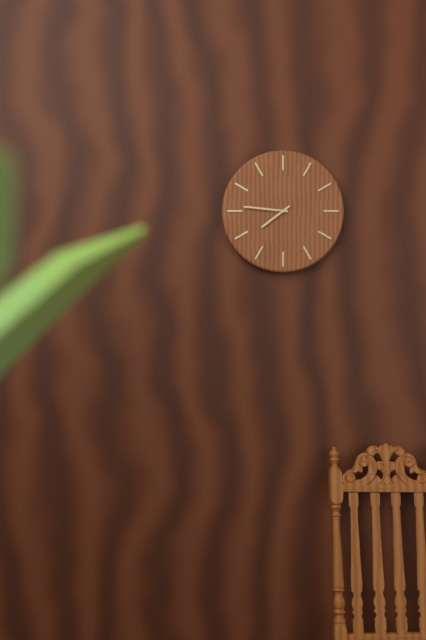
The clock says 7:46
